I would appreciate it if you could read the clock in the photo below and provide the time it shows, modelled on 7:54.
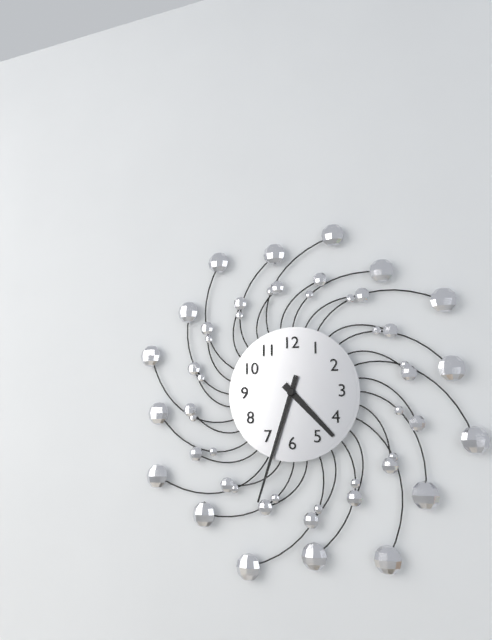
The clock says 4:33
